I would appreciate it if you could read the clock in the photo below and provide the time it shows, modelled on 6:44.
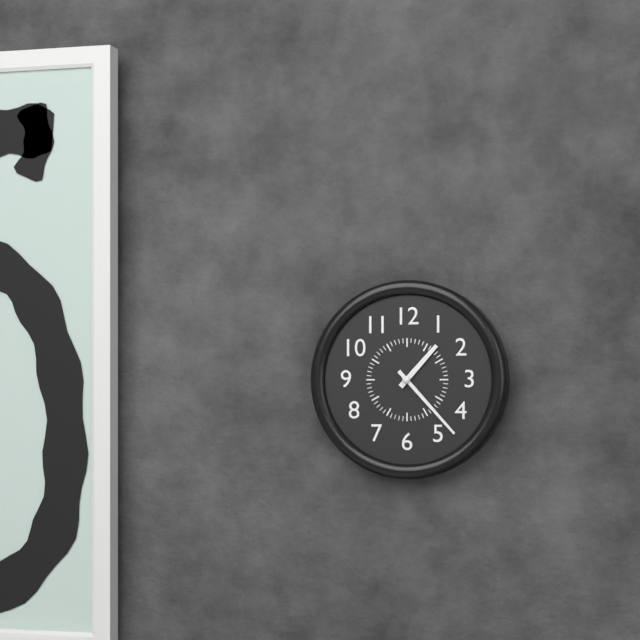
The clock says 1:23
